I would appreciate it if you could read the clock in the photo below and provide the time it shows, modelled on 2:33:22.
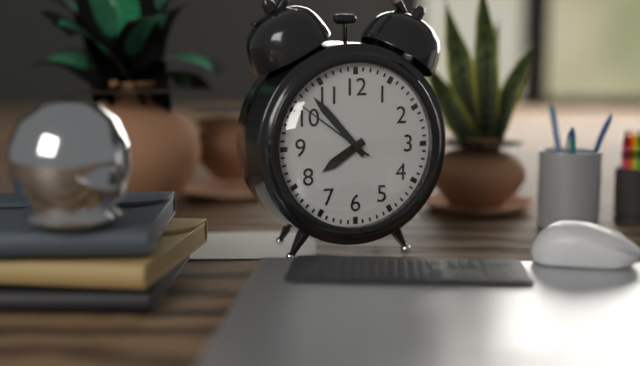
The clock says 7:53:51
